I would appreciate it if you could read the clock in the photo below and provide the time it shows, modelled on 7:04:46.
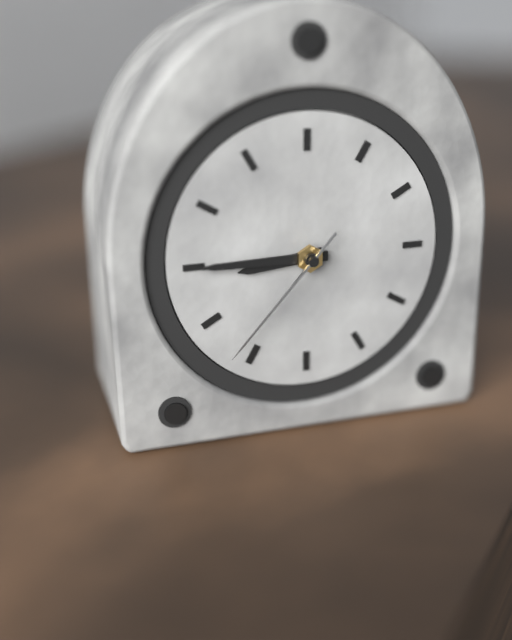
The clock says 8:45:37
